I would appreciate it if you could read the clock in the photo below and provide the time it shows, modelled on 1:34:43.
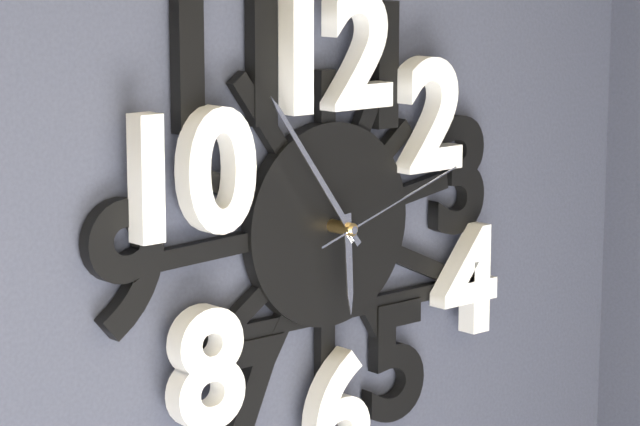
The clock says 5:54:12
